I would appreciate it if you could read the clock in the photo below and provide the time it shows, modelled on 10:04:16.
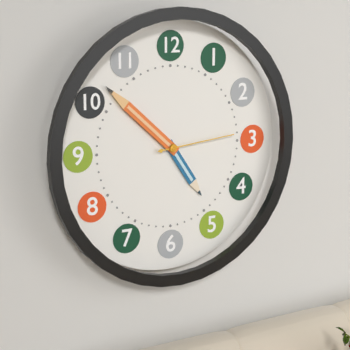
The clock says 4:52:14
